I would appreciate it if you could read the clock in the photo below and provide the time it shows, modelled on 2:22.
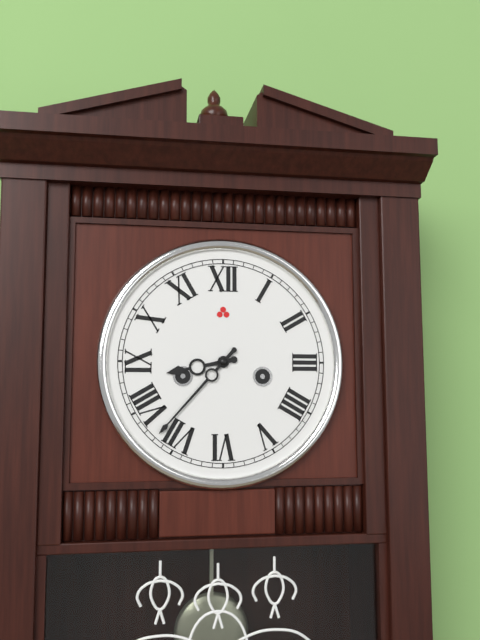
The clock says 8:37
